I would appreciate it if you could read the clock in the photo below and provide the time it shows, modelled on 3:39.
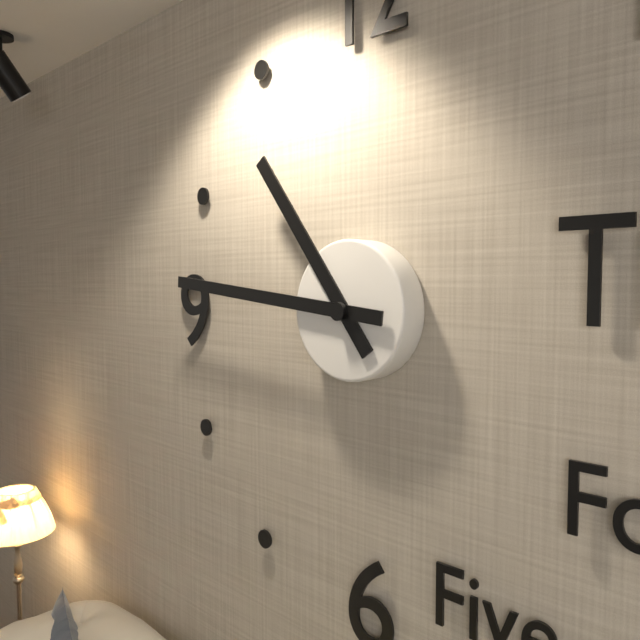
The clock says 10:46
